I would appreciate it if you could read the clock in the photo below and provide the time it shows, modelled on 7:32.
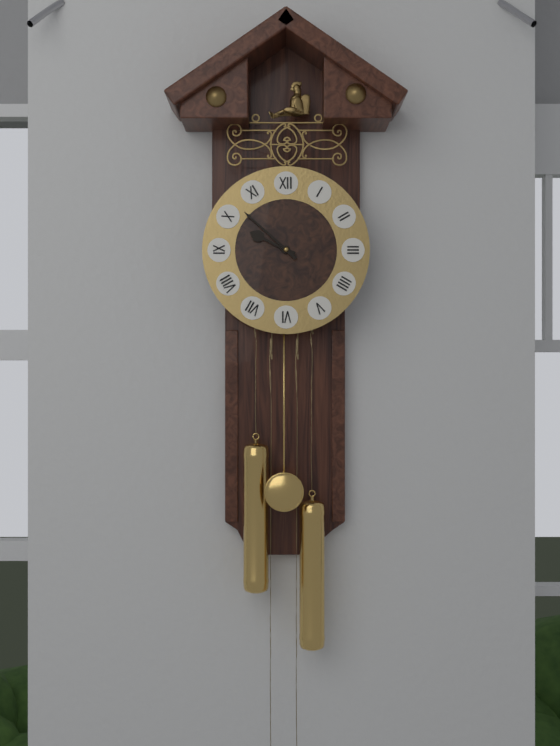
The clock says 9:52
